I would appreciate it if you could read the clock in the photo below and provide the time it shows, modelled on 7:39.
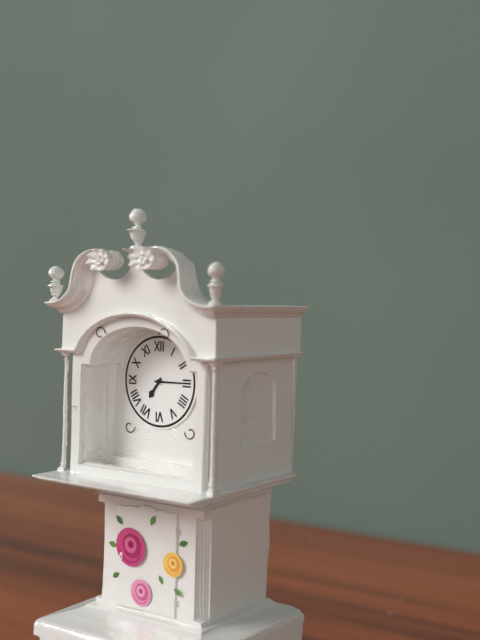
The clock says 7:15
